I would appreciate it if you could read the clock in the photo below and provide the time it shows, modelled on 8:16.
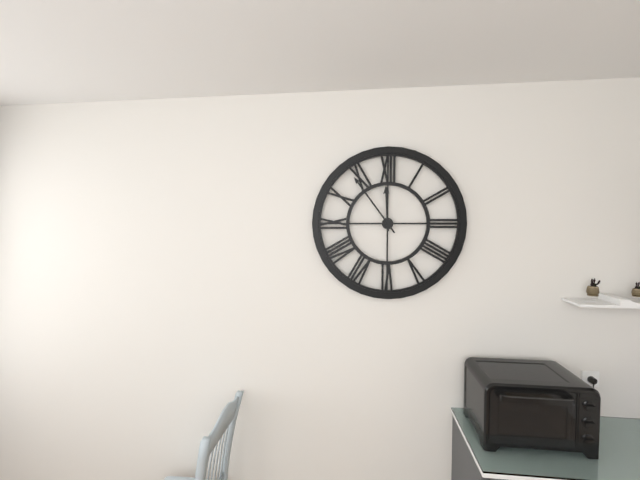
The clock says 11:54
